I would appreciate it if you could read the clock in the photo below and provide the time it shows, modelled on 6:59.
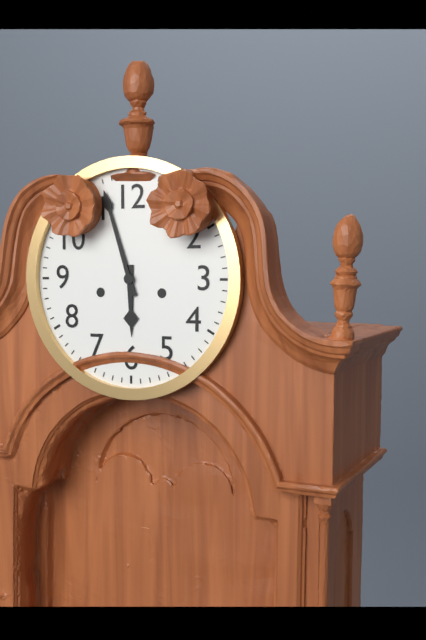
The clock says 5:57
